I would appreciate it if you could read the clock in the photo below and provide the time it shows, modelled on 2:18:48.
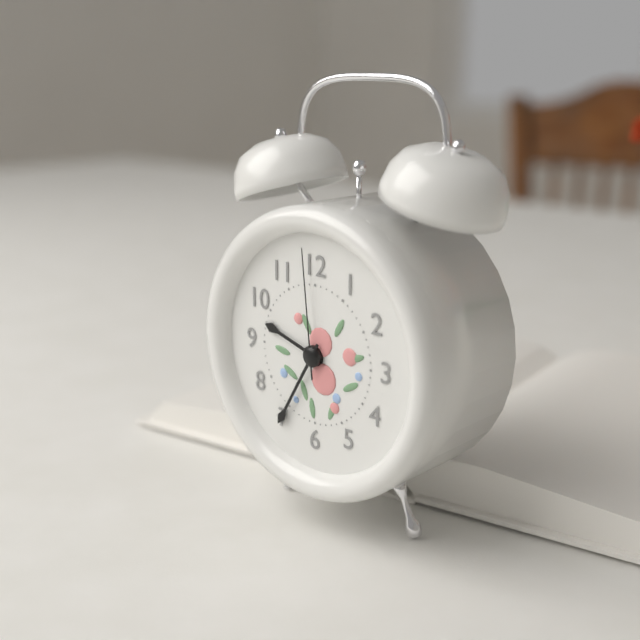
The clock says 9:35:59
